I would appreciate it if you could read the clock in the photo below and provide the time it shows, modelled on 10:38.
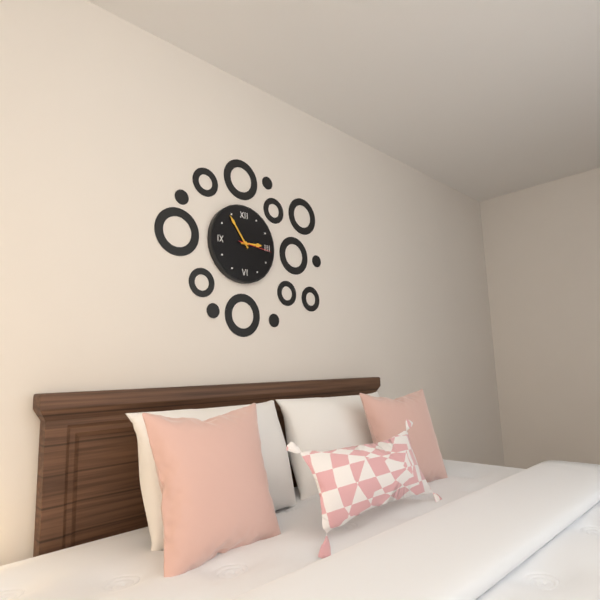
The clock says 2:54
